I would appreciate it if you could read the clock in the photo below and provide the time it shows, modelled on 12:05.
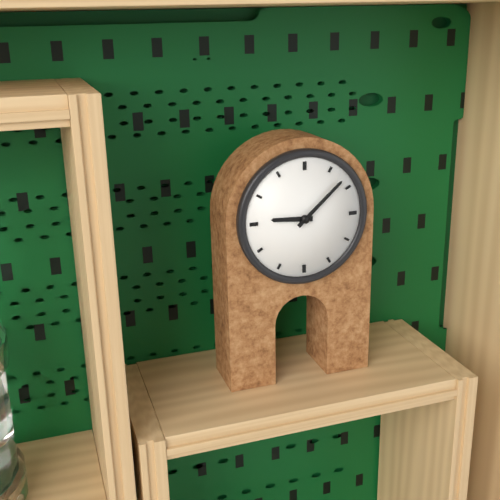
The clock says 9:08
